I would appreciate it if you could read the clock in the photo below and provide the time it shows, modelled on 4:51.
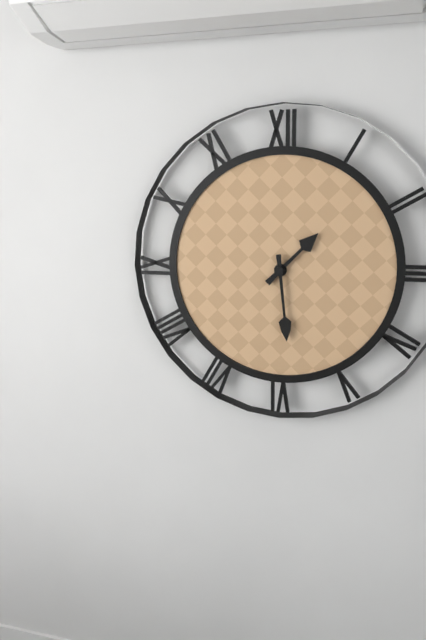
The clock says 1:29
